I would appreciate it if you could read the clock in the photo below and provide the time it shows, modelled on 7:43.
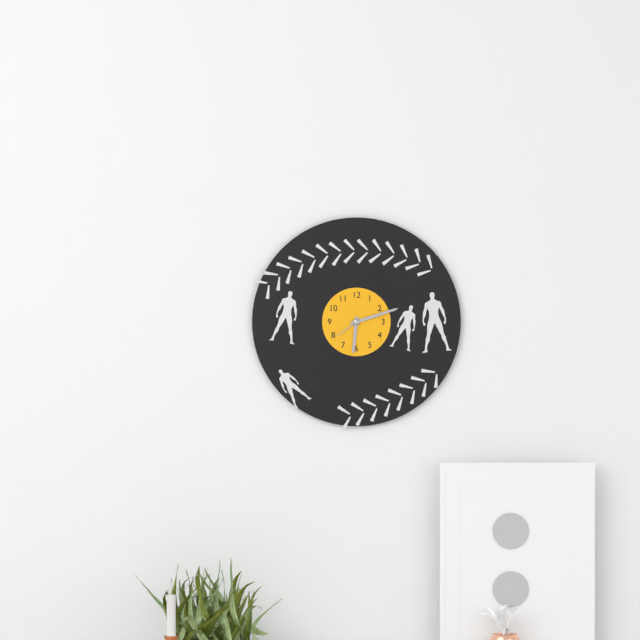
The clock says 6:12
